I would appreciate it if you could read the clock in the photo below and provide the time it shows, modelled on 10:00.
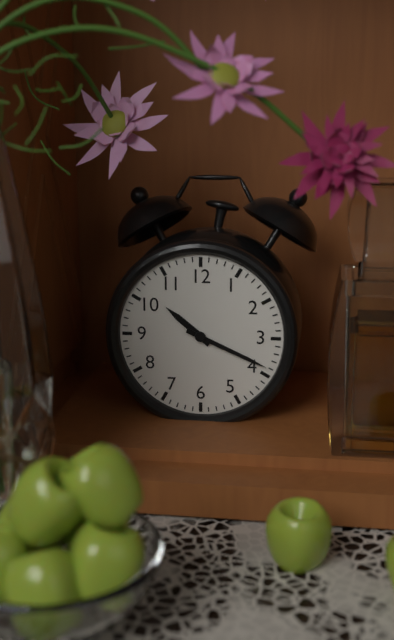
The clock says 10:19
